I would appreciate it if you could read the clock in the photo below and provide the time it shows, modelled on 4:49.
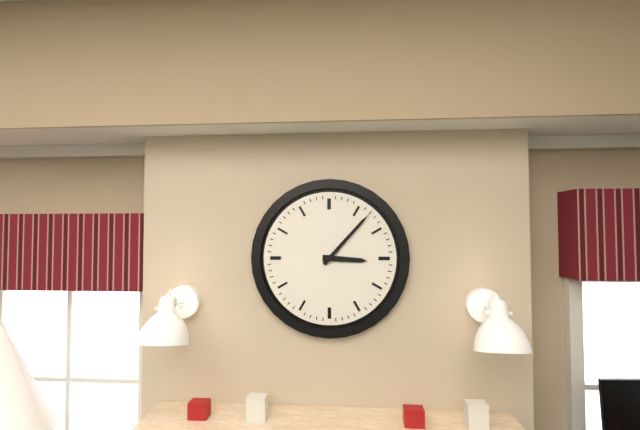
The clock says 3:07
